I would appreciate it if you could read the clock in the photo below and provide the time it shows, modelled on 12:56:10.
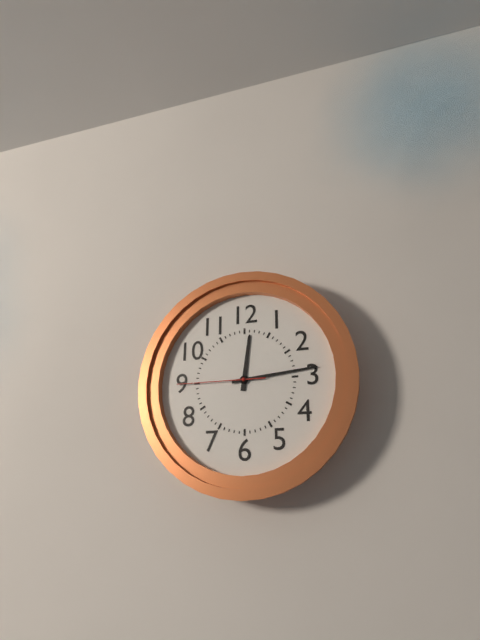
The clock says 12:14:45
